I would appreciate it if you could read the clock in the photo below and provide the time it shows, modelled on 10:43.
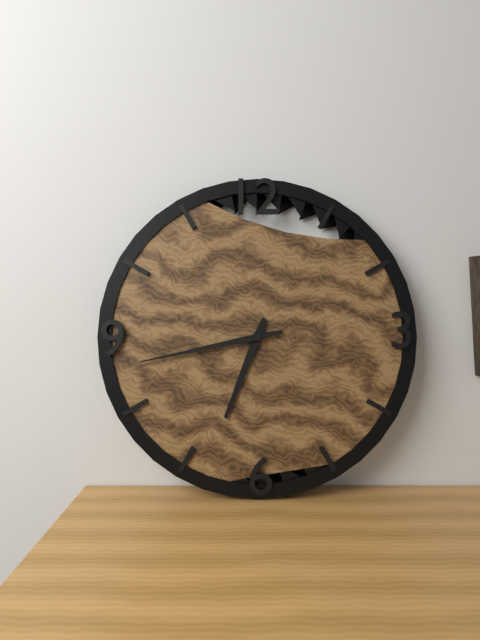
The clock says 6:43
